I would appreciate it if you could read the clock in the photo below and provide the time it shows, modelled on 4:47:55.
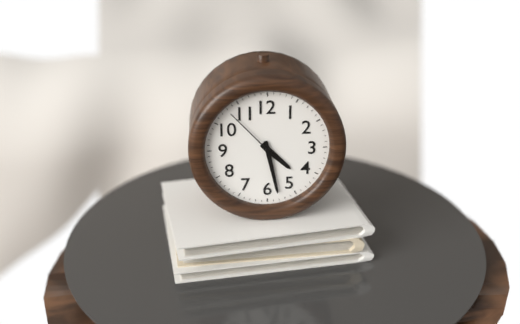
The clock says 4:28:53
